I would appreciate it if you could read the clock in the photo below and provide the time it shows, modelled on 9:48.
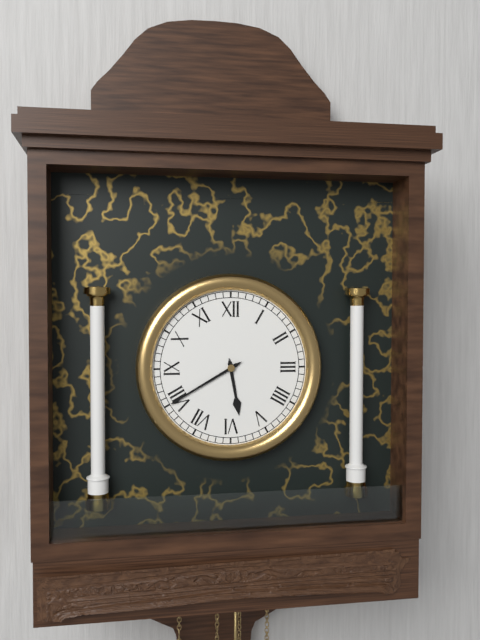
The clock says 5:40
